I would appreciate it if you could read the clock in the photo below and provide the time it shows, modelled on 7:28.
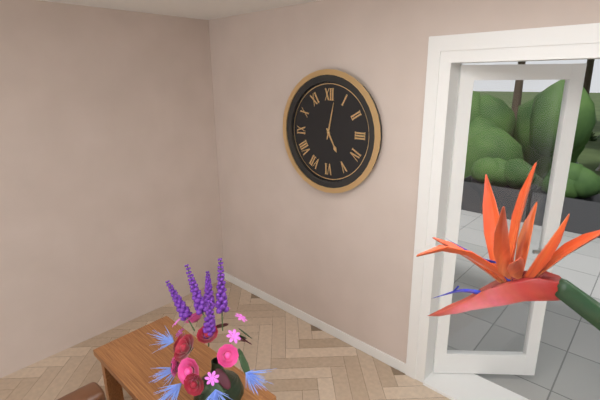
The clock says 5:02
